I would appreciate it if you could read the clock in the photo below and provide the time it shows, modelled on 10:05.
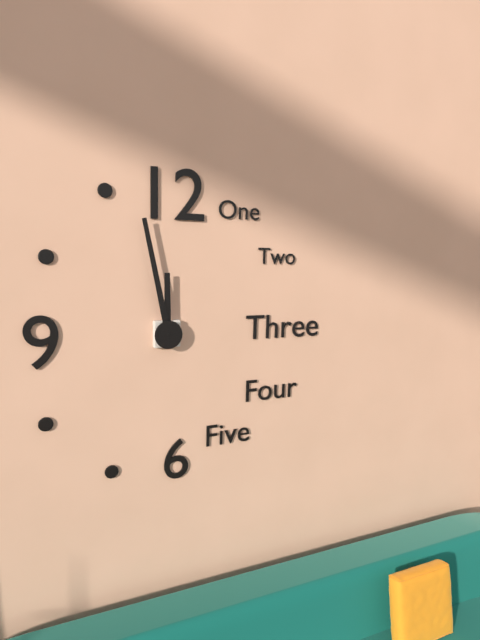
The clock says 11:58
